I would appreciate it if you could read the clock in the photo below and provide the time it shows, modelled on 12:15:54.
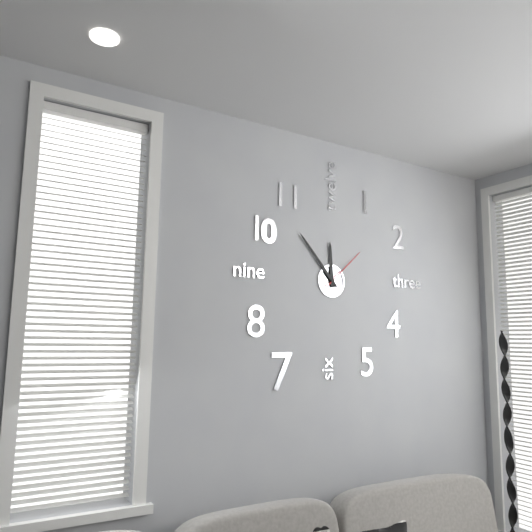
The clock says 11:53:08
